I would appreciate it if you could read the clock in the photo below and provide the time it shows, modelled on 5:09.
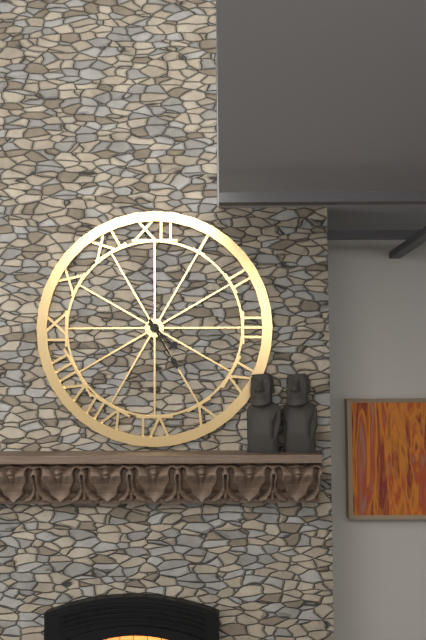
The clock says 4:25
